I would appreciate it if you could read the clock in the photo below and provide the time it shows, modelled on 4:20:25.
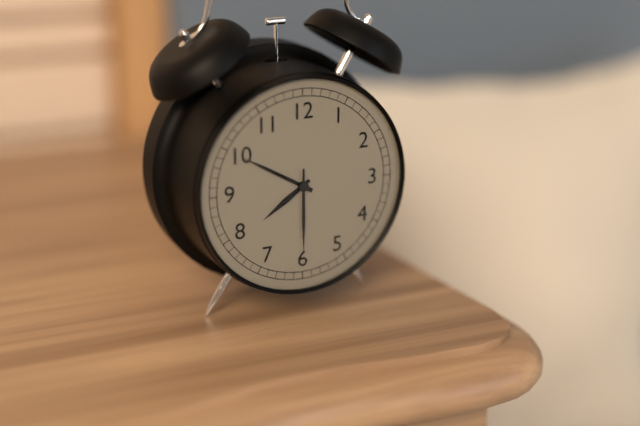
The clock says 7:50:30
